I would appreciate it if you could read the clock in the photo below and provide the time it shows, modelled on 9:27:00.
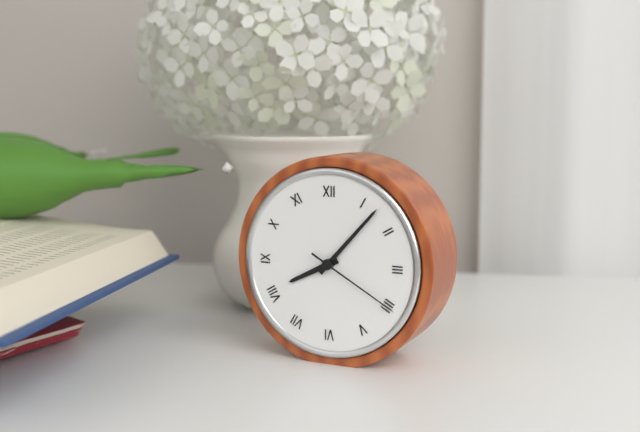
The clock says 8:07:20
